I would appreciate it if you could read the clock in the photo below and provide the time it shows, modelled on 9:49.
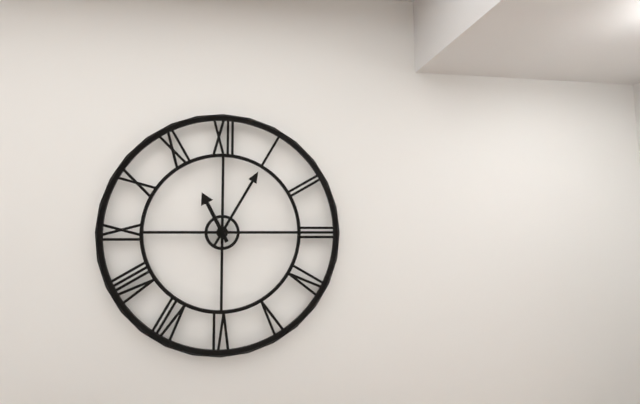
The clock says 11:05
